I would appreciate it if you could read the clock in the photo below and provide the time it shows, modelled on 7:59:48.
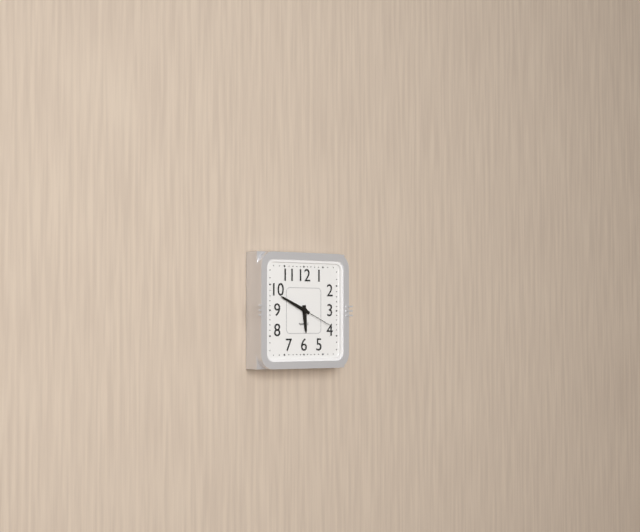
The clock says 5:49:19
